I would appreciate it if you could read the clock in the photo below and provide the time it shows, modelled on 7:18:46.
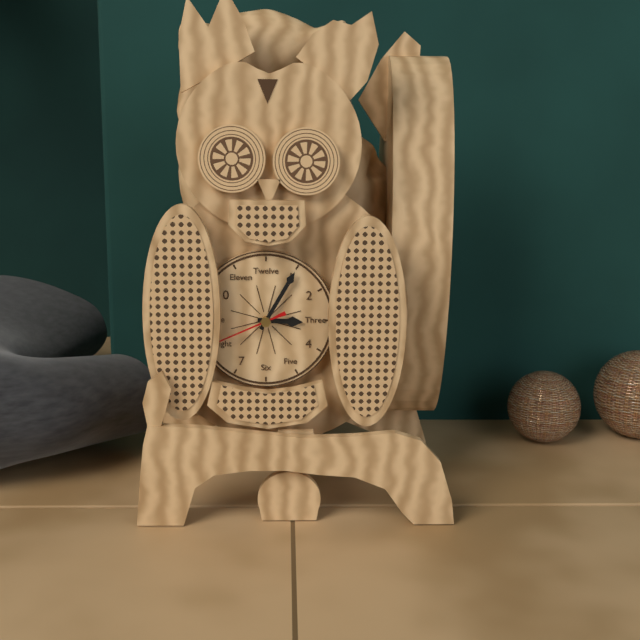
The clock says 3:05:41
